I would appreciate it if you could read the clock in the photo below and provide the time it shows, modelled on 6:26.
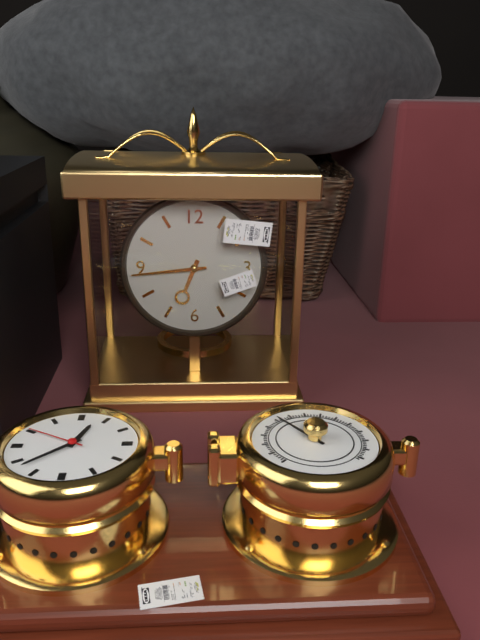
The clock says 6:44
